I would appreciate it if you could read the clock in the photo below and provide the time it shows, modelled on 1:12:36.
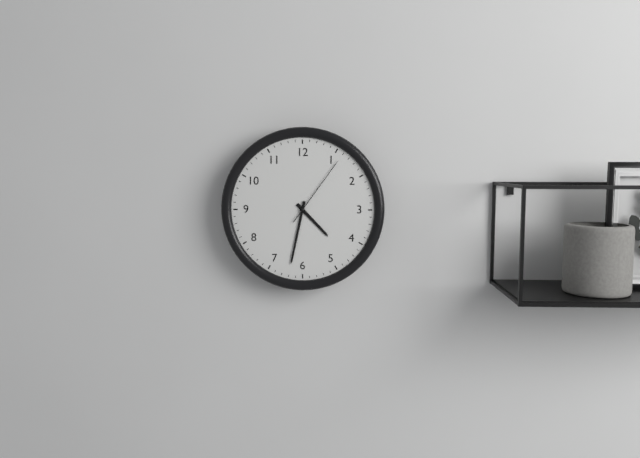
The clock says 4:32:06
